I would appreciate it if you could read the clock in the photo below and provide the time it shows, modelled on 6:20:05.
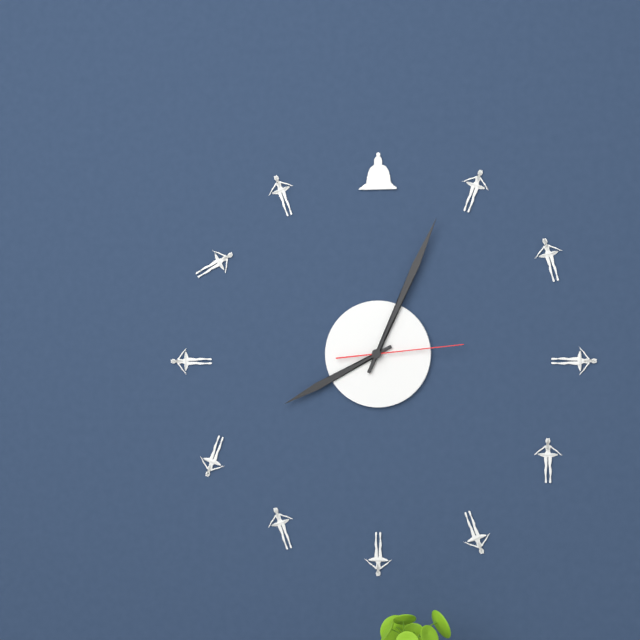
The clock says 8:04:14
